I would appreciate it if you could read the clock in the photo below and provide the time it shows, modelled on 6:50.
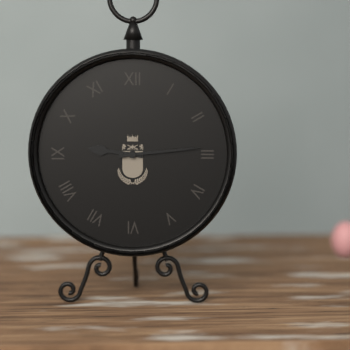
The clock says 9:14
